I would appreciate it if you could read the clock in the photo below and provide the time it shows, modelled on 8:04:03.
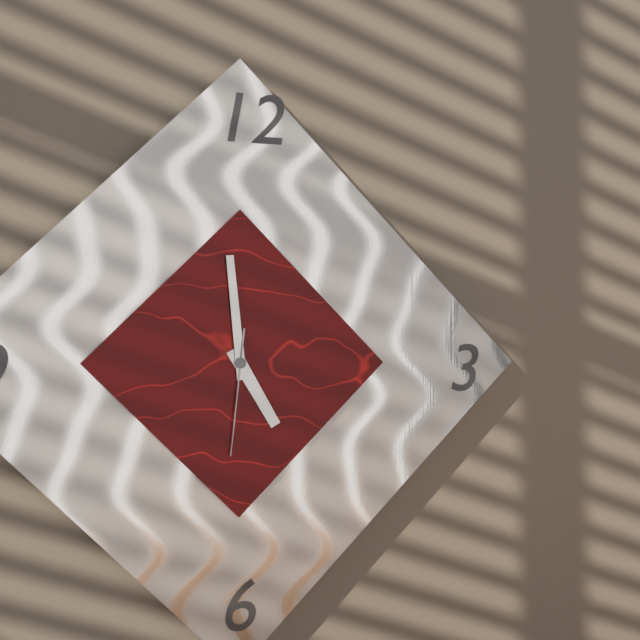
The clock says 4:59:31
